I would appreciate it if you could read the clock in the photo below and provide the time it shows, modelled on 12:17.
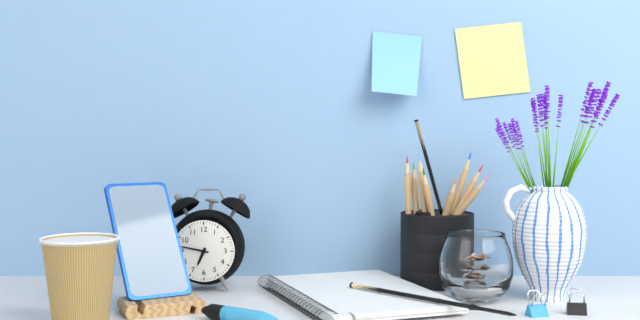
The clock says 6:47
